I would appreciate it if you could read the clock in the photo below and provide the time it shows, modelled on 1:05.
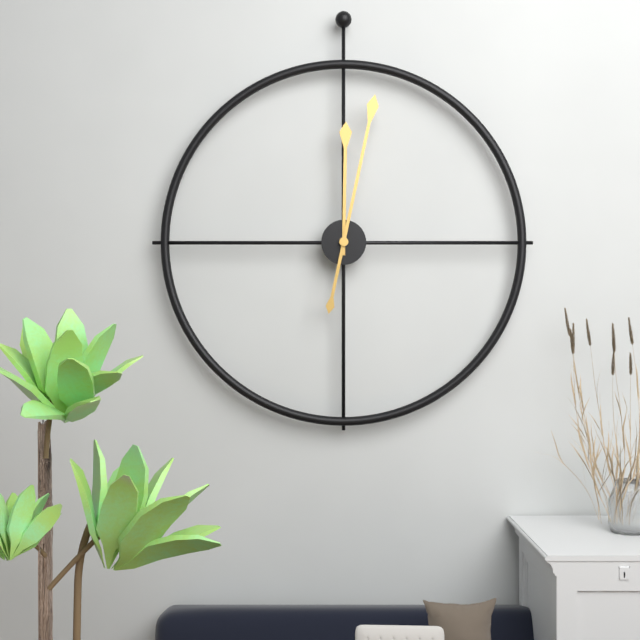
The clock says 12:02
